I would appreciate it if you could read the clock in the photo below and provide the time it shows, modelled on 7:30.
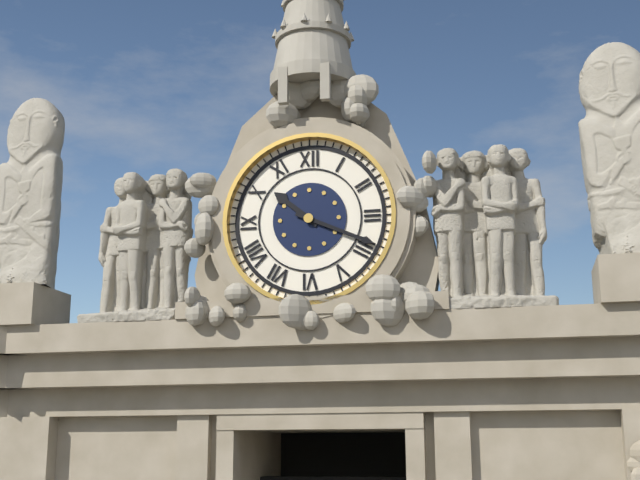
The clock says 10:19
